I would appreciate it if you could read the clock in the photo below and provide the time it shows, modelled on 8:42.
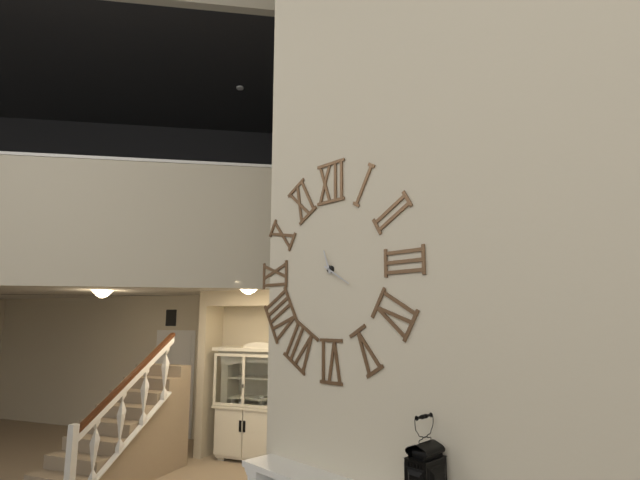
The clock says 11:20
